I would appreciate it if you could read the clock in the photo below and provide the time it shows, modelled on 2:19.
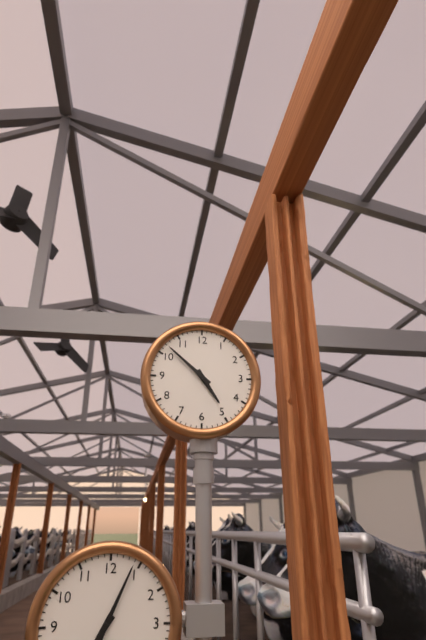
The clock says 4:52
